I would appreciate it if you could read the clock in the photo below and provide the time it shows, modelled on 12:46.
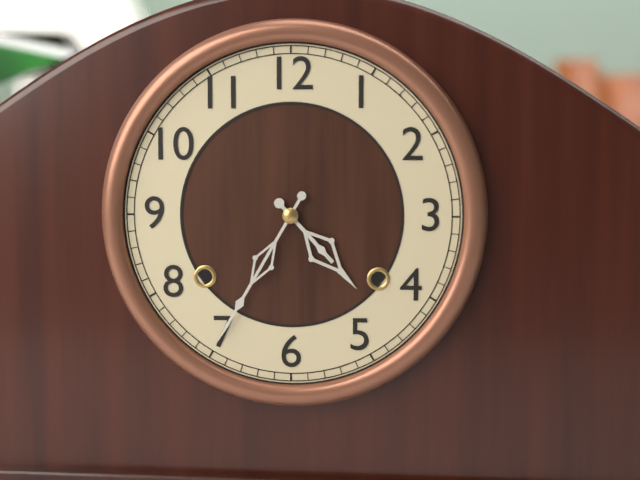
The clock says 4:35
